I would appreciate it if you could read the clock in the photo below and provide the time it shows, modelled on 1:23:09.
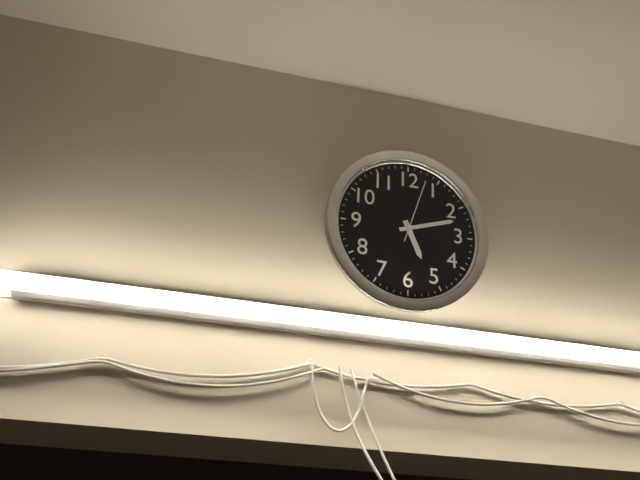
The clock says 5:12:03
